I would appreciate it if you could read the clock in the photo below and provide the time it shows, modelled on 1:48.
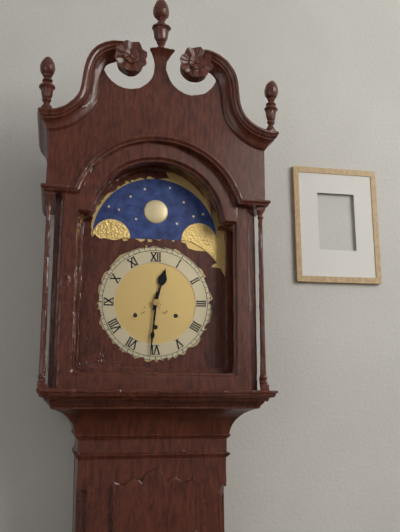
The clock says 12:31
